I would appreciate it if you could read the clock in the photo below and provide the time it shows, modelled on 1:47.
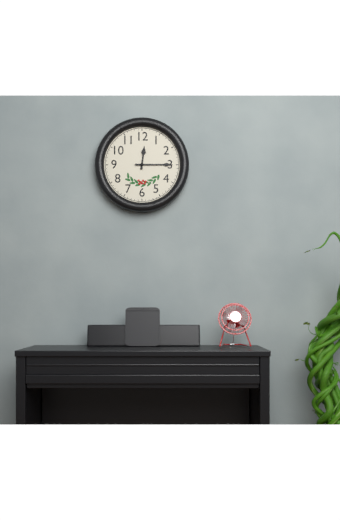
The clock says 12:15
